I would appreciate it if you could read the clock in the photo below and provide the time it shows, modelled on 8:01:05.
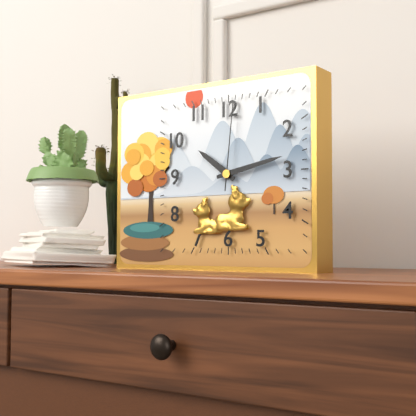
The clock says 10:13:01
